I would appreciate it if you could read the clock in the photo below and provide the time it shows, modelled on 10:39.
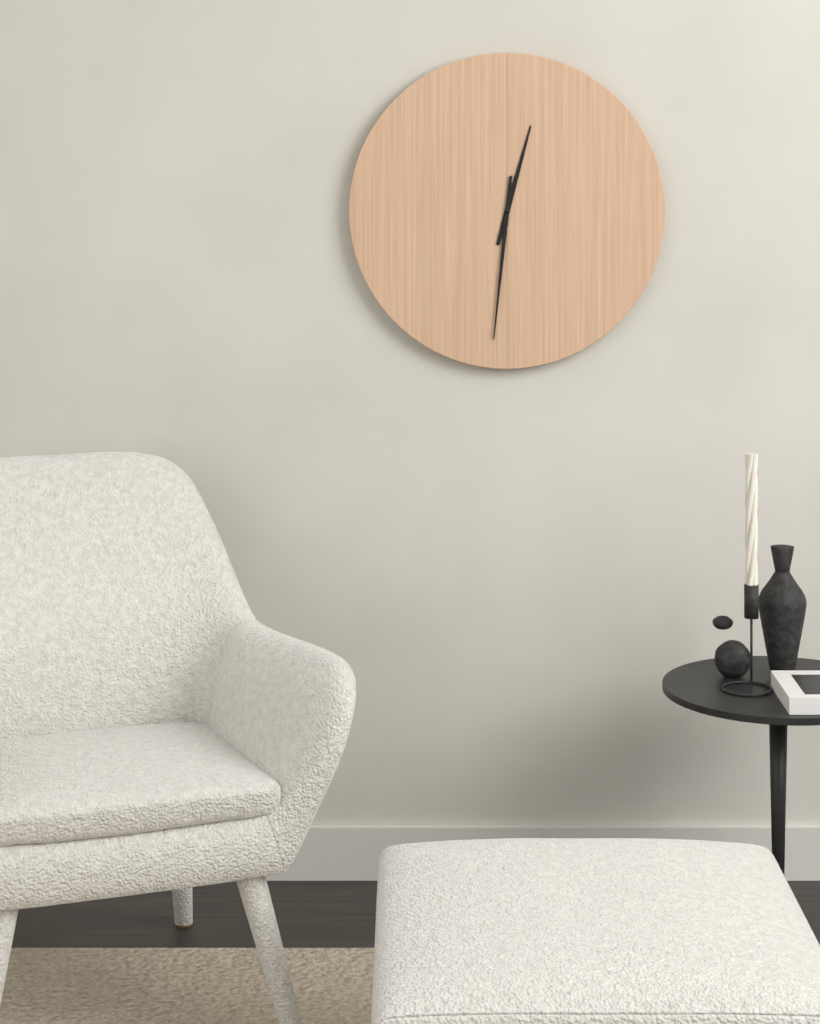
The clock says 12:31
